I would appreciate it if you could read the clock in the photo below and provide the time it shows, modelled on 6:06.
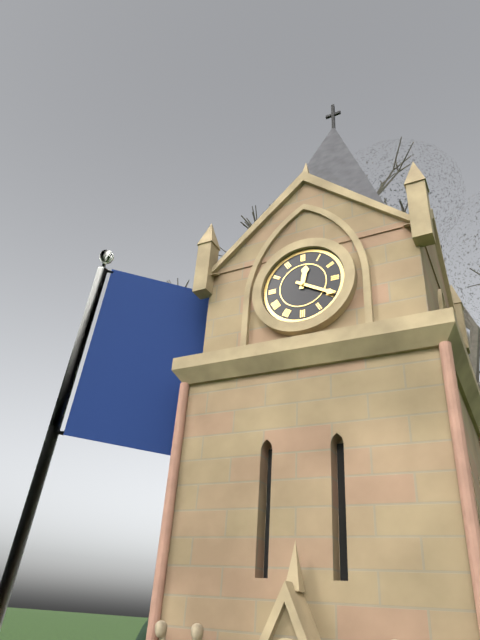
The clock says 12:20
